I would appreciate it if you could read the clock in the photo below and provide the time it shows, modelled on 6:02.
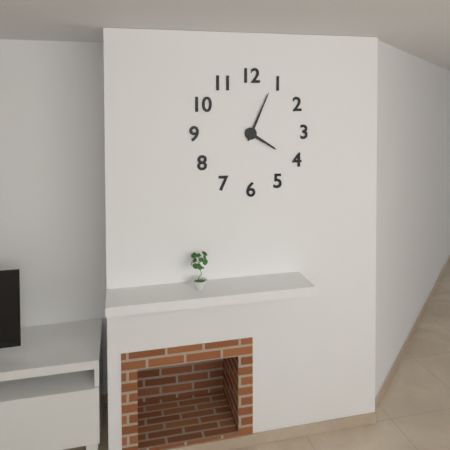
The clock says 4:04
